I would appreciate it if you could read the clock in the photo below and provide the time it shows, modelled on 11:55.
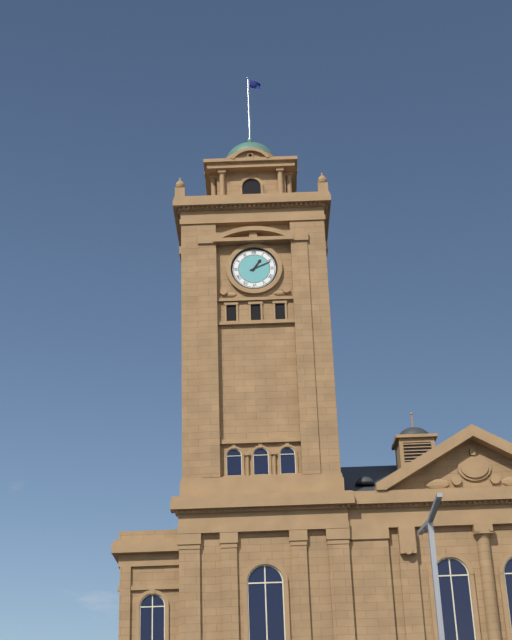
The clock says 1:11
